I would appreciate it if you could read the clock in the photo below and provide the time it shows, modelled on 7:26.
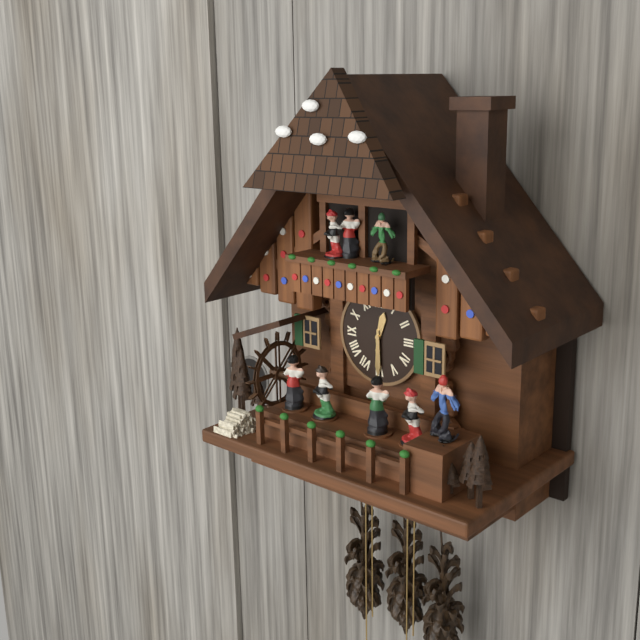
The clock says 12:30
